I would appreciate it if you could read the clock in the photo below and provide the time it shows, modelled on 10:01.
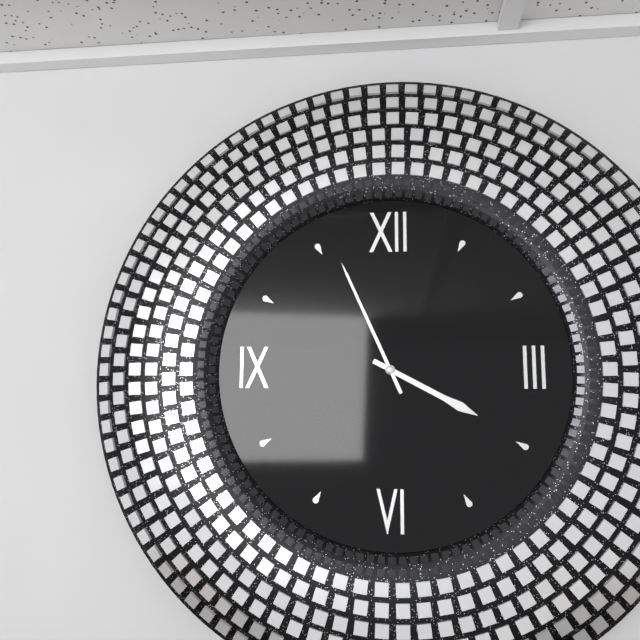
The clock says 3:56
